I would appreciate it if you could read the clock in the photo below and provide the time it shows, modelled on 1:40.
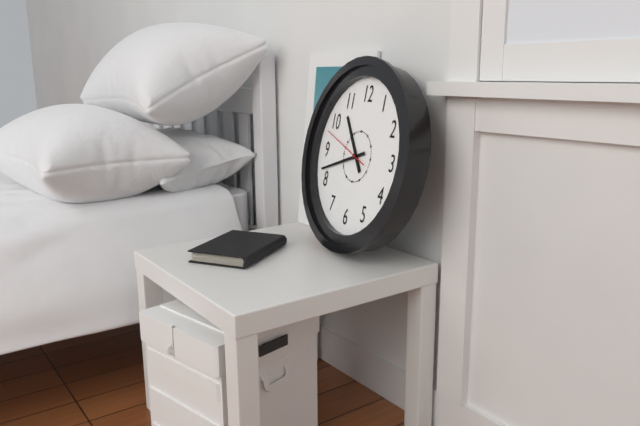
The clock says 10:42
